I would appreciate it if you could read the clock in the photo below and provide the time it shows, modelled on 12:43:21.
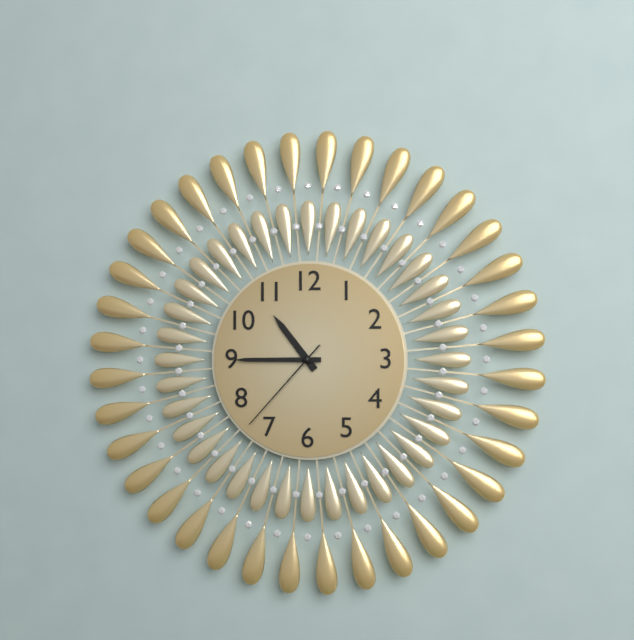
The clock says 10:45:37
